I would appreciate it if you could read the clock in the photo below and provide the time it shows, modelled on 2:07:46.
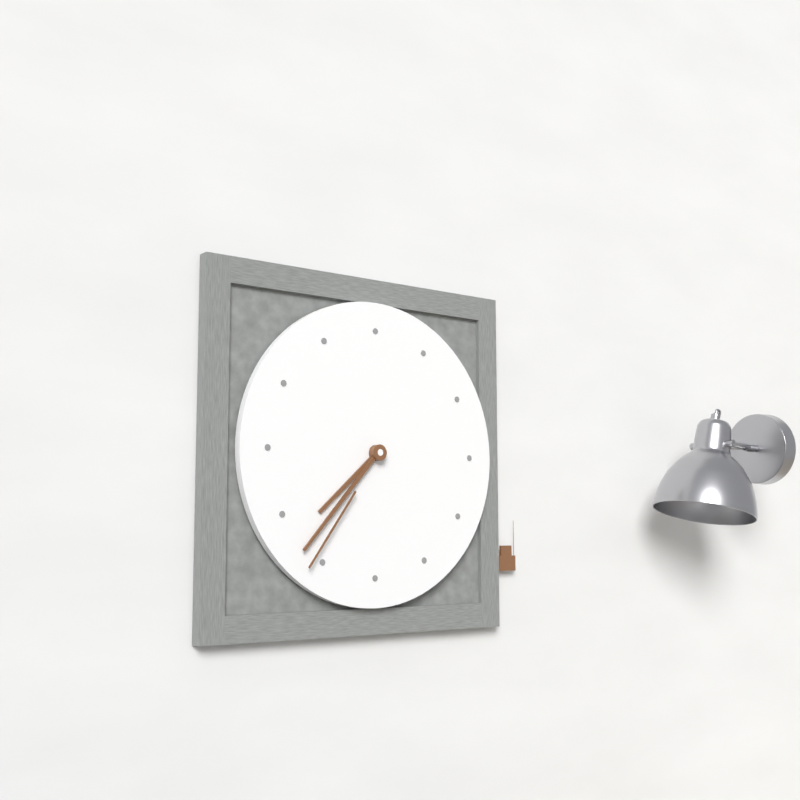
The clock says 7:37:36
